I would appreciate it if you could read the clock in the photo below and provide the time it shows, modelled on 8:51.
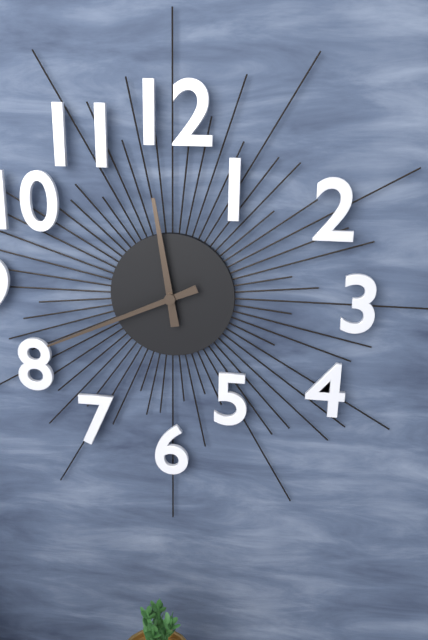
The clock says 11:41
